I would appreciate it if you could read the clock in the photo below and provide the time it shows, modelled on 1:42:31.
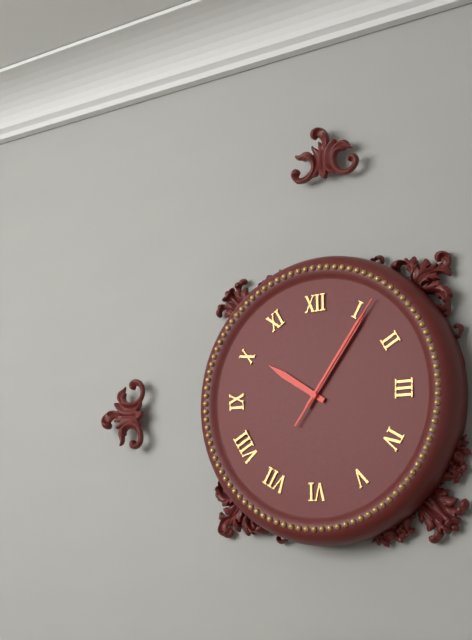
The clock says 10:06:06
